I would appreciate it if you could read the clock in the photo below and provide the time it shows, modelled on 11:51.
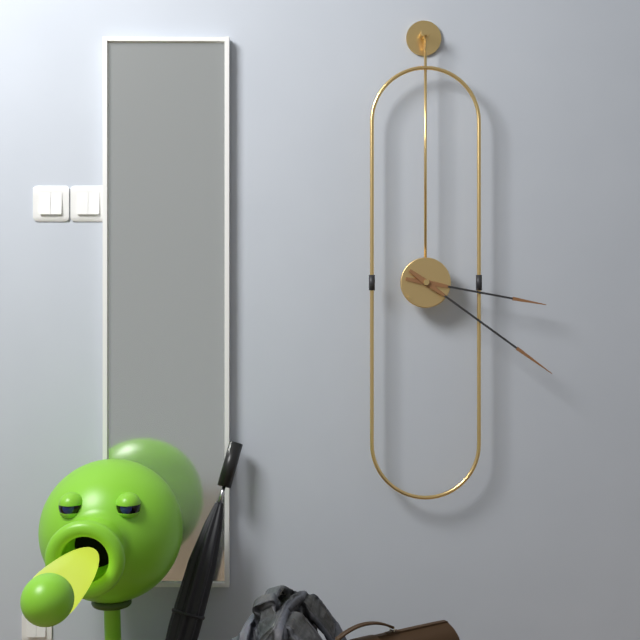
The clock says 3:21
